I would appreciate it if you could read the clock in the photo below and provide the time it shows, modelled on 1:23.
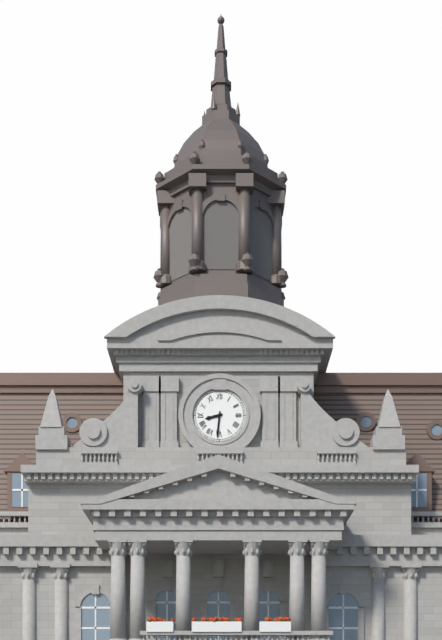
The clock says 8:31
